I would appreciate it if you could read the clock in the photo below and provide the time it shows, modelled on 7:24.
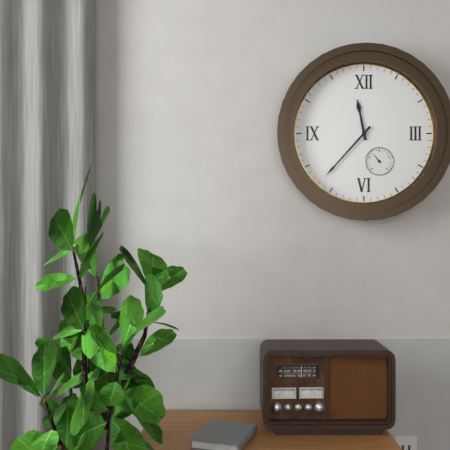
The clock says 11:37
